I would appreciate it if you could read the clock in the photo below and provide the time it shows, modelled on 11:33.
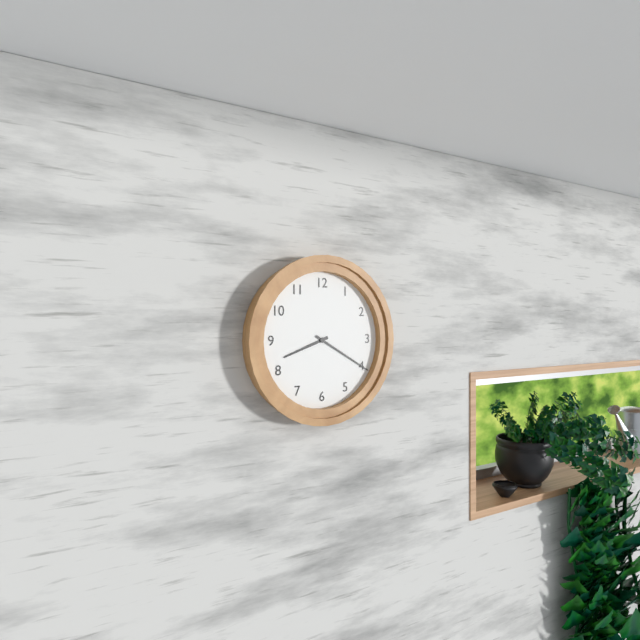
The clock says 8:20
